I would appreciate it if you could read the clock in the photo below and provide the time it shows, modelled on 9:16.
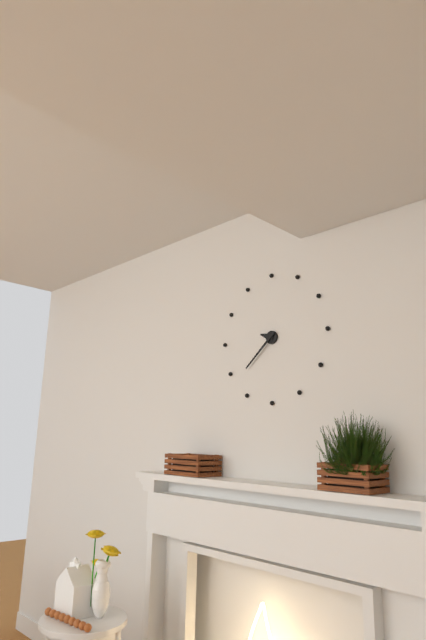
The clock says 9:38
